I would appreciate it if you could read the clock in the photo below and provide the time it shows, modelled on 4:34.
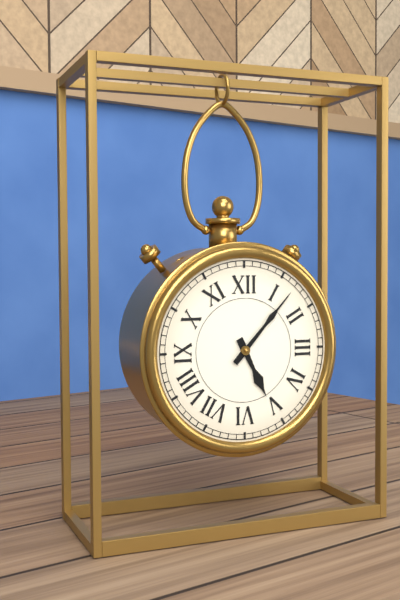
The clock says 5:07
